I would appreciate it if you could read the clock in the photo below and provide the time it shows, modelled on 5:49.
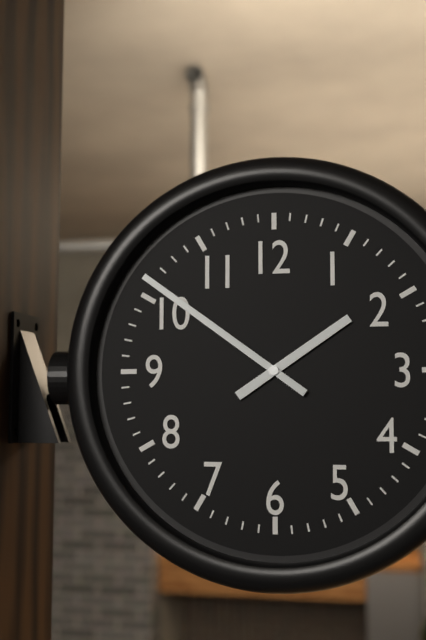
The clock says 1:51
